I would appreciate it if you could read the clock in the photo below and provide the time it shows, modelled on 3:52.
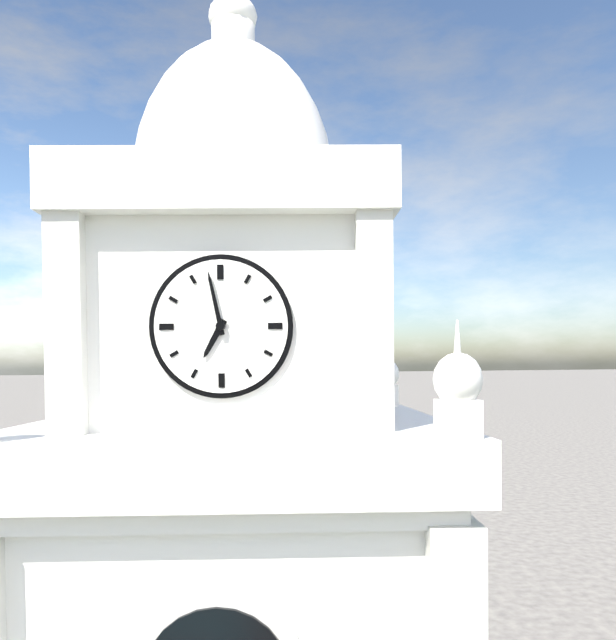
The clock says 6:58
